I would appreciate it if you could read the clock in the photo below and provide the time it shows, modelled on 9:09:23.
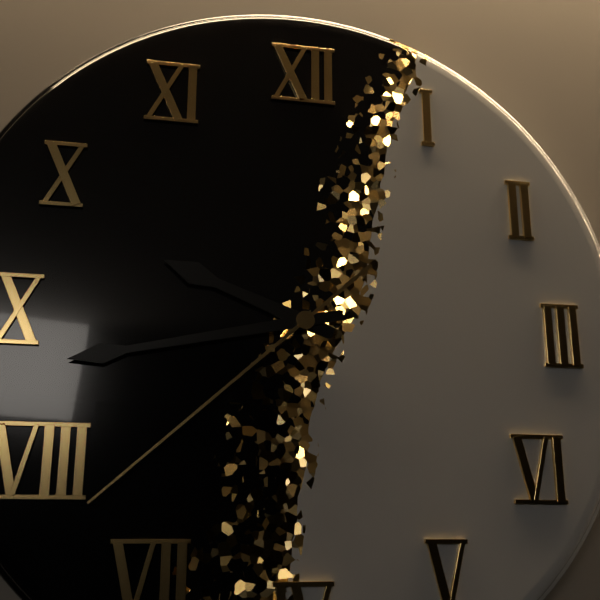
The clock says 9:43:38
